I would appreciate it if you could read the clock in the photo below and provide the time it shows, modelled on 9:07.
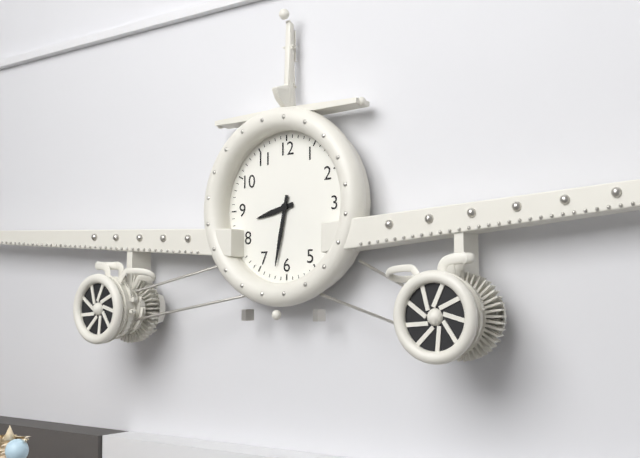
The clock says 8:32
